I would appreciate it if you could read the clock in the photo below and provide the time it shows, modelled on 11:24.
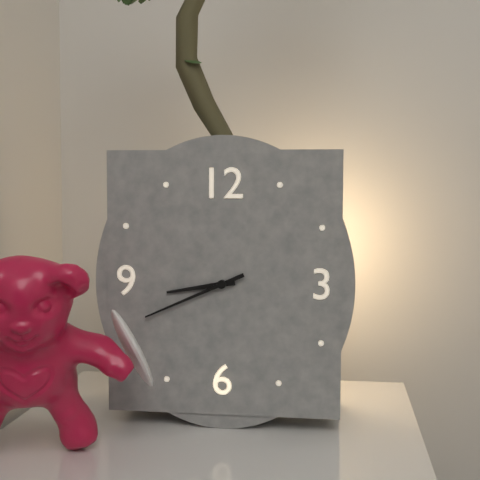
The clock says 8:41
